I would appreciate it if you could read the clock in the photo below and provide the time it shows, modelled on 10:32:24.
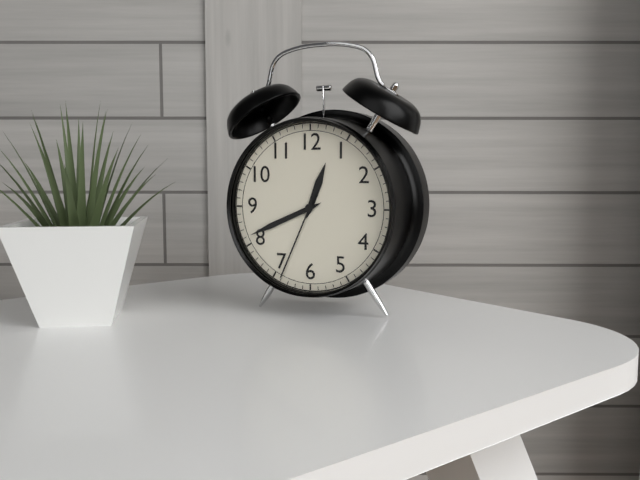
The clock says 12:41:34
